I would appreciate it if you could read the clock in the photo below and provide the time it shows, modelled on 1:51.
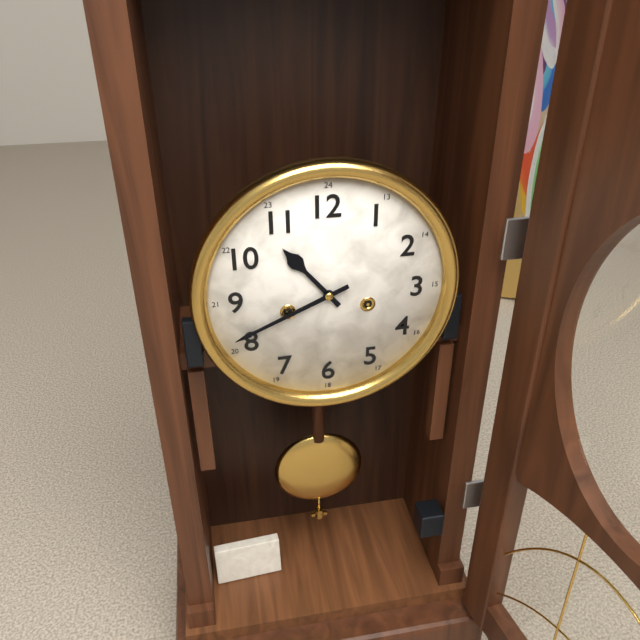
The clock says 10:41
